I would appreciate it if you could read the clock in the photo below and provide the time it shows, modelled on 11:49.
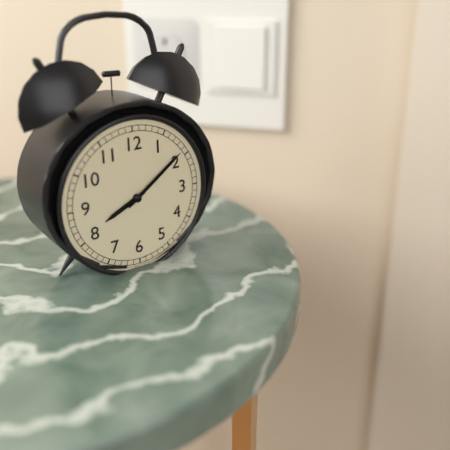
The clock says 8:09
